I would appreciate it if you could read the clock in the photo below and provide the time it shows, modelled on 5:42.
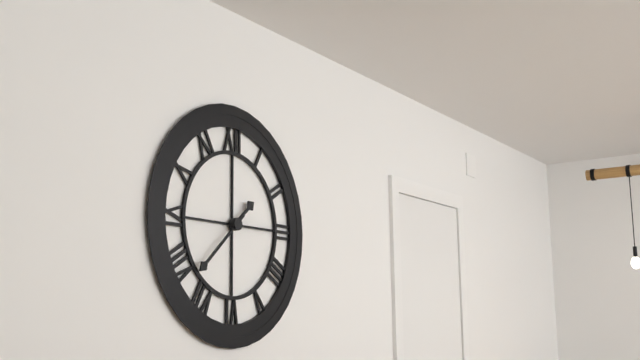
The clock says 1:38
